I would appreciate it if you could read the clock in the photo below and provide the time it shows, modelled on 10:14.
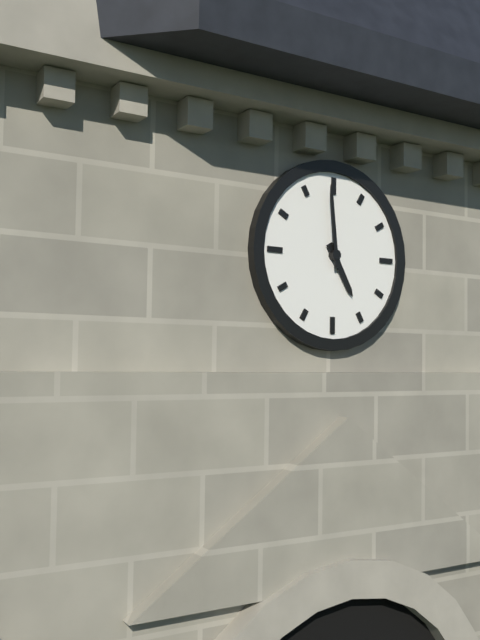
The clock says 4:59
